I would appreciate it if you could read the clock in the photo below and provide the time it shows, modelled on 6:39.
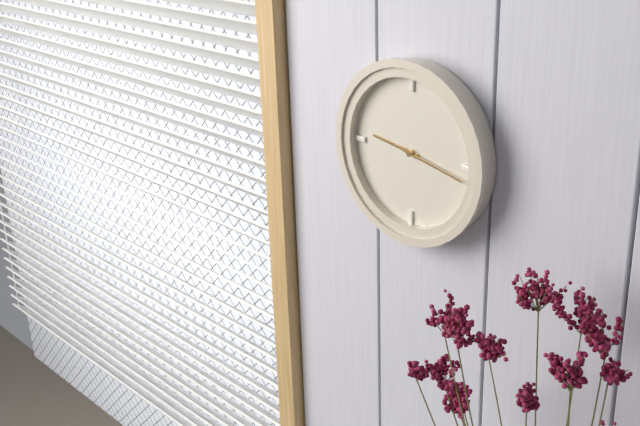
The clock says 9:17
